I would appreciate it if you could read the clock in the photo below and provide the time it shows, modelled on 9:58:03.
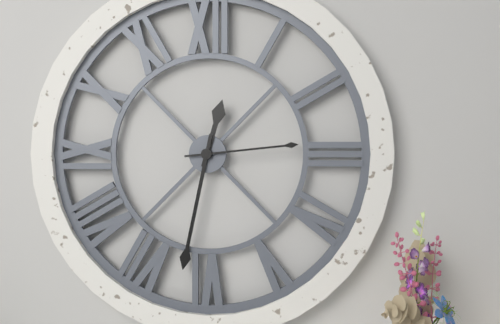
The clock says 12:32:14
